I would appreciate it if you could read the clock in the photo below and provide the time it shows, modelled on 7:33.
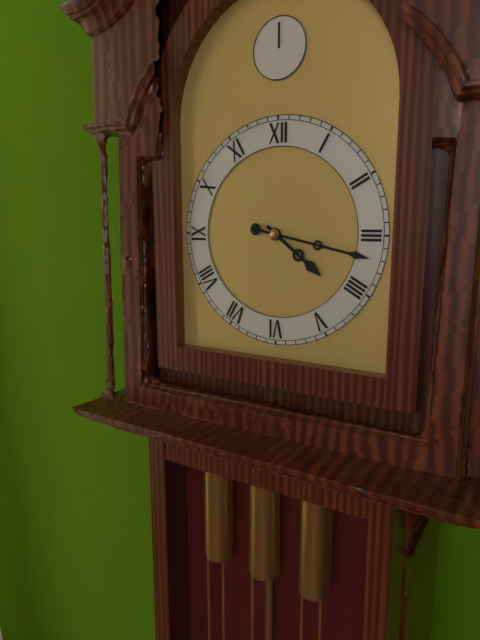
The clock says 4:17
